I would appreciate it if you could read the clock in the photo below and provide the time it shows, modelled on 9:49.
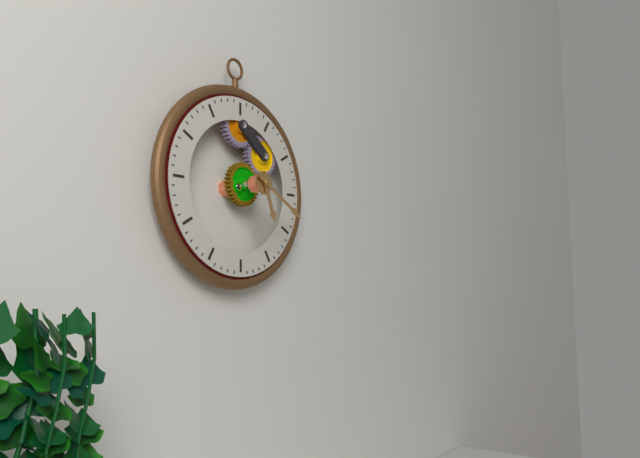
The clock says 5:20
